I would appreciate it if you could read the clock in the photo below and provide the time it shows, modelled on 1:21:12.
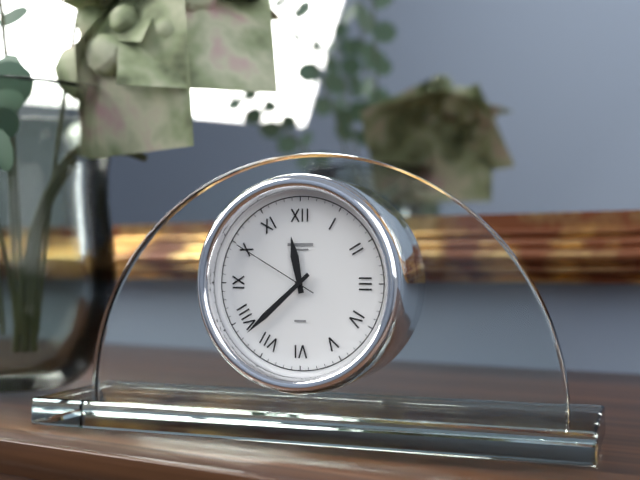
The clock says 11:38:50
